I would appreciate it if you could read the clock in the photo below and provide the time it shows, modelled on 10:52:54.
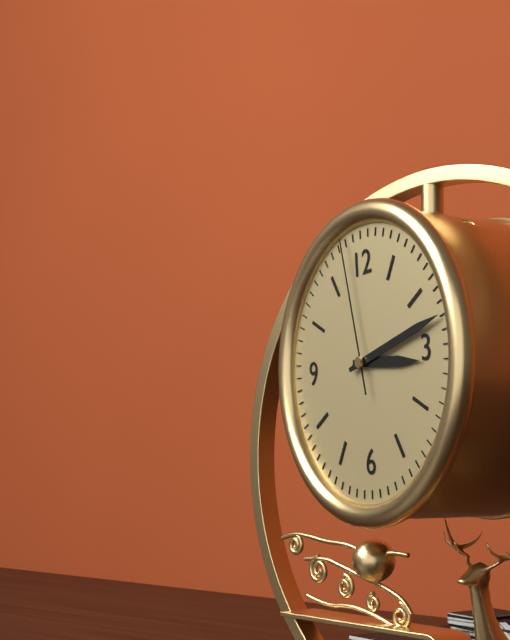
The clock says 3:13:58
